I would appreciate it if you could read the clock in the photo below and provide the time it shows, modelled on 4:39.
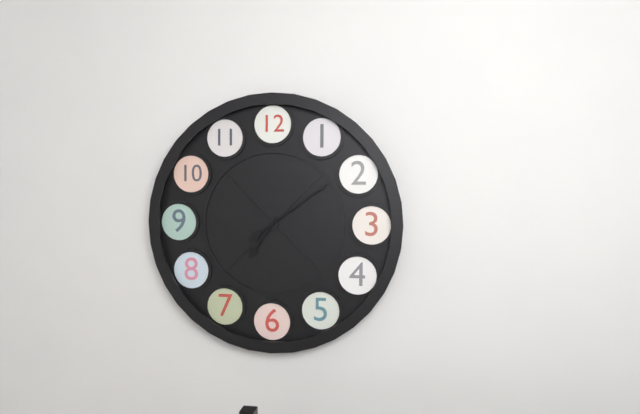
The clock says 7:09
